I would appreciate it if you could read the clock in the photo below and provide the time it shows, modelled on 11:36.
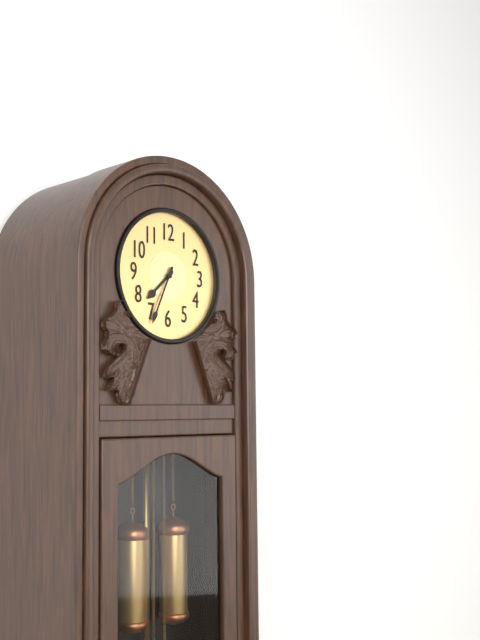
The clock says 7:34
